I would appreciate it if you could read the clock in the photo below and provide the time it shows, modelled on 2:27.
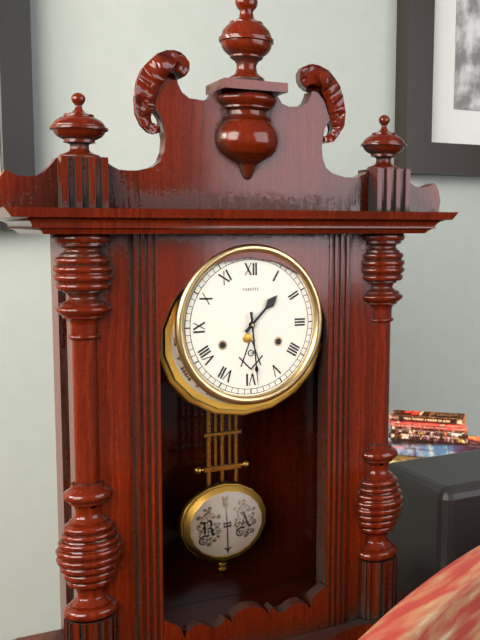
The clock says 1:29
